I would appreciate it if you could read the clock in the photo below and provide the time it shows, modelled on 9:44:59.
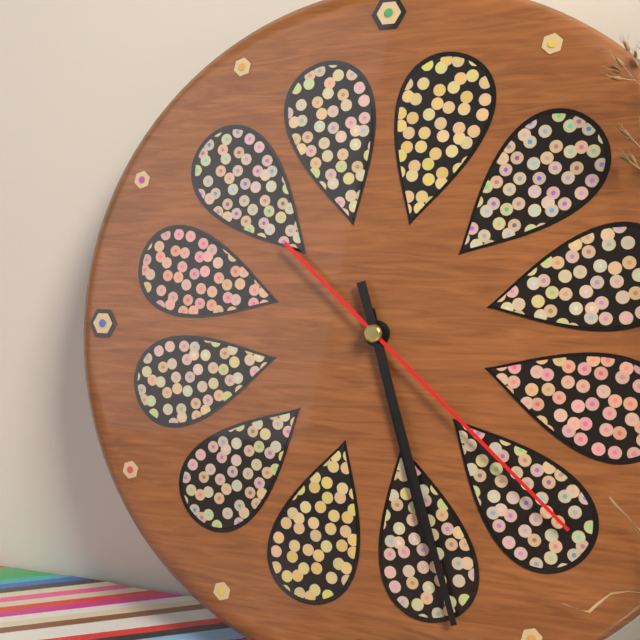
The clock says 5:27:22
